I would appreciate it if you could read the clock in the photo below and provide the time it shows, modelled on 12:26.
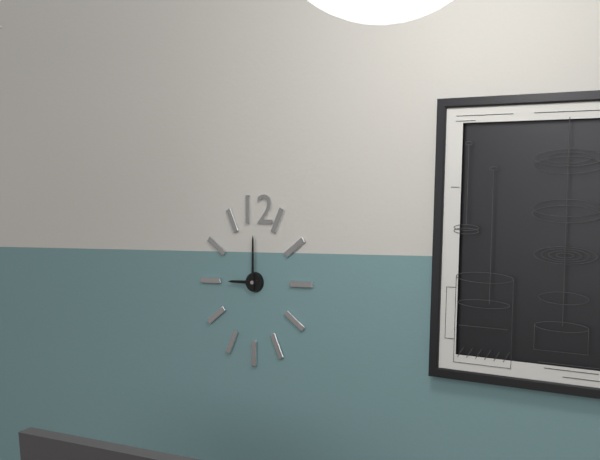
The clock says 9:00
